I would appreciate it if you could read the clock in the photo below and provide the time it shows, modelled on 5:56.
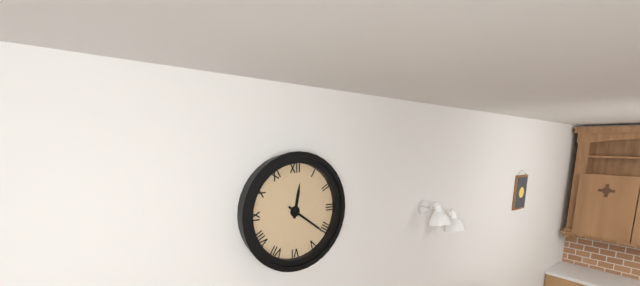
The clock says 12:21
